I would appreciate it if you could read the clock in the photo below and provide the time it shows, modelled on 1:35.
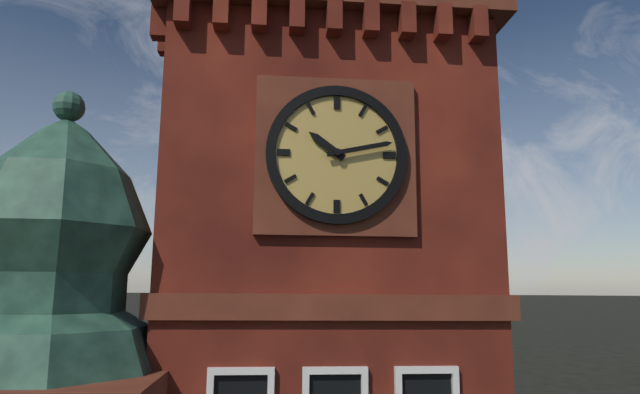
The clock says 10:13
